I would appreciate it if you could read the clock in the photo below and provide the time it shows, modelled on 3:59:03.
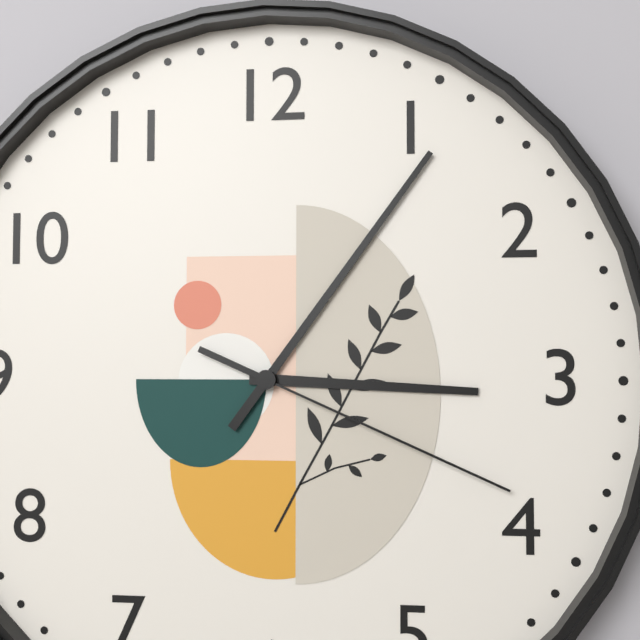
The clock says 3:06:19
